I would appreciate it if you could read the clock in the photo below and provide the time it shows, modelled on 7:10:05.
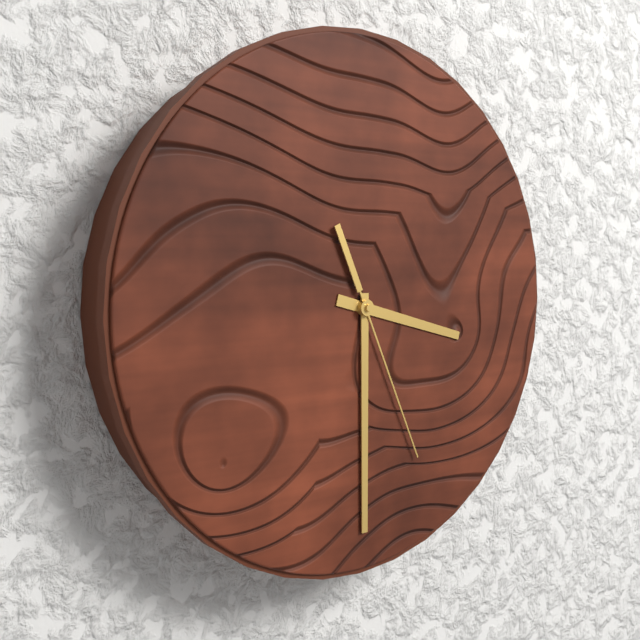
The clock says 3:30:26
